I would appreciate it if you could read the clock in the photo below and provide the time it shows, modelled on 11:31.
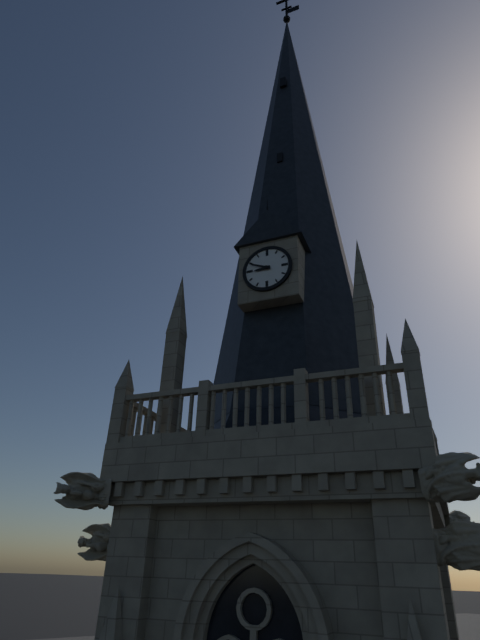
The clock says 8:49
